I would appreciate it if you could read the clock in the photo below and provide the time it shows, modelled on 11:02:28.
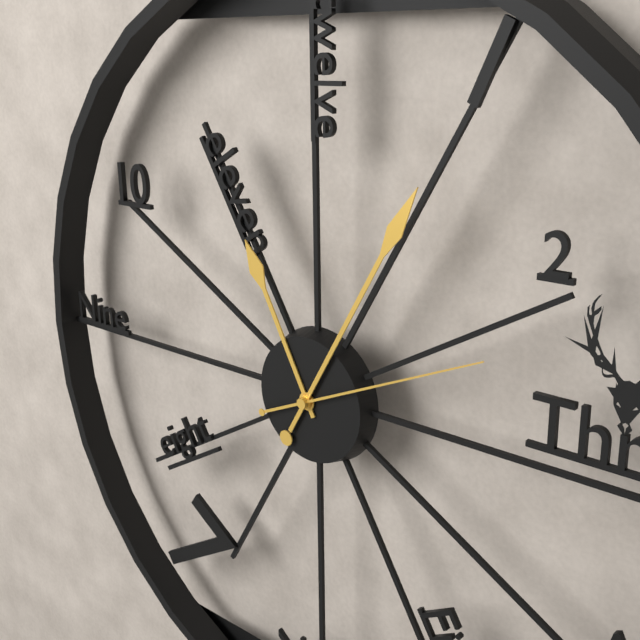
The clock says 11:05:11
